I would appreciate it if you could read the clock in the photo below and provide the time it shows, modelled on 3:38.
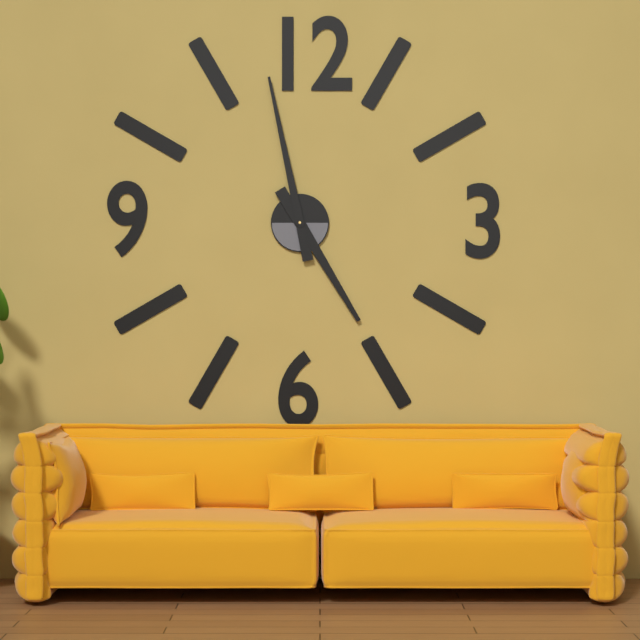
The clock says 4:58
